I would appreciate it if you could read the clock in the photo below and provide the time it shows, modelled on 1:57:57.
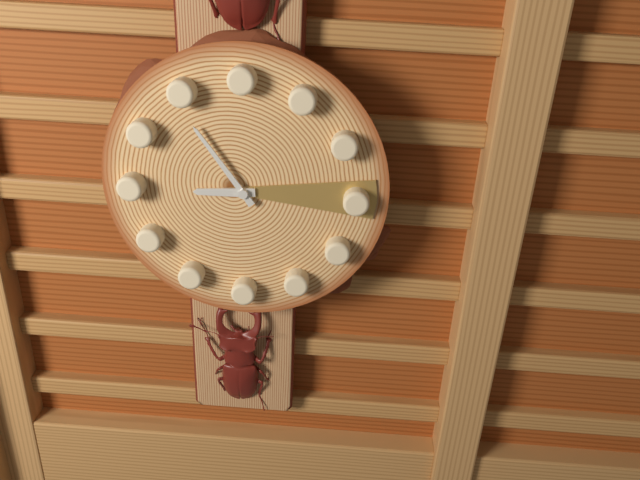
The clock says 8:54:15
